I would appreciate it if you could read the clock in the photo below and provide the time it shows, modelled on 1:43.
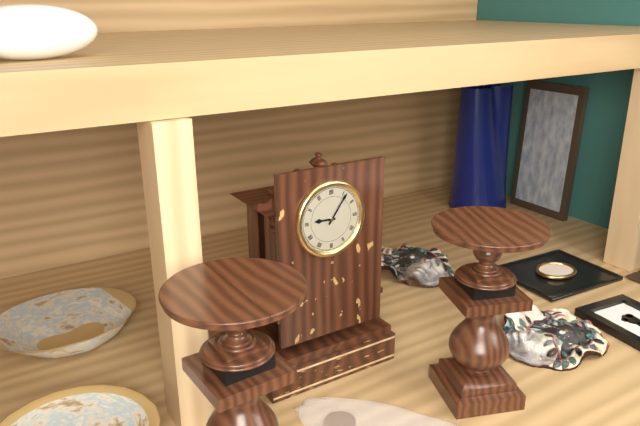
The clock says 9:06
